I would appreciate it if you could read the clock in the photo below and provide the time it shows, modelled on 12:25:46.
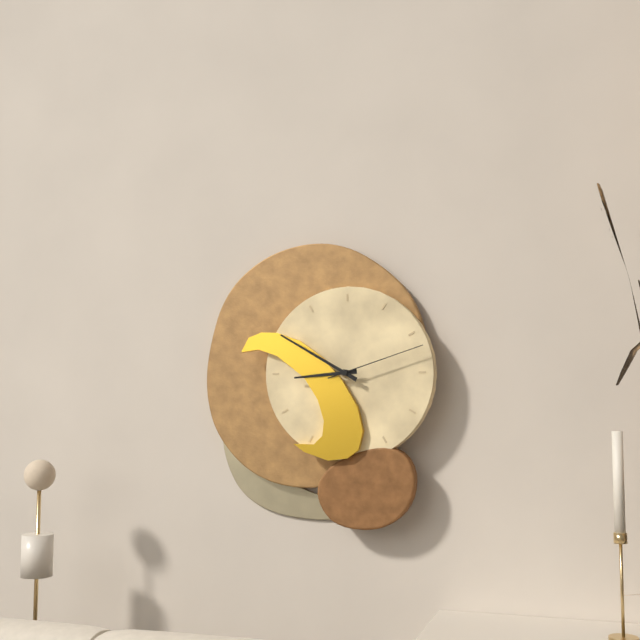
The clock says 8:50:12
